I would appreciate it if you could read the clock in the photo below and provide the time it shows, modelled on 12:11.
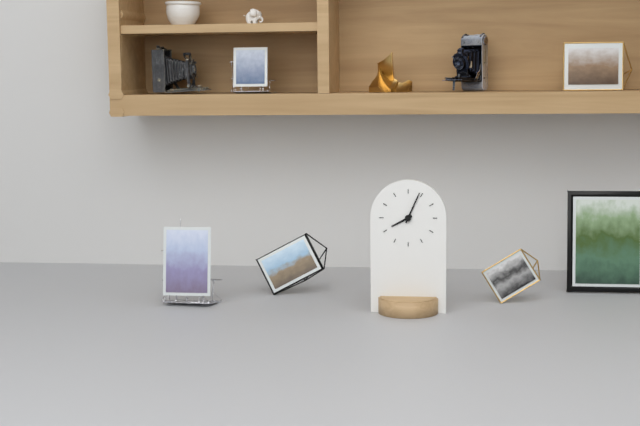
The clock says 8:04
